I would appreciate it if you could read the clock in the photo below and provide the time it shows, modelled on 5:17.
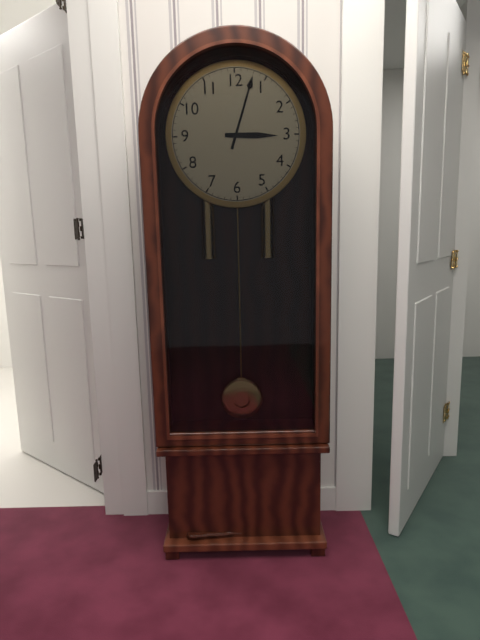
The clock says 3:03
